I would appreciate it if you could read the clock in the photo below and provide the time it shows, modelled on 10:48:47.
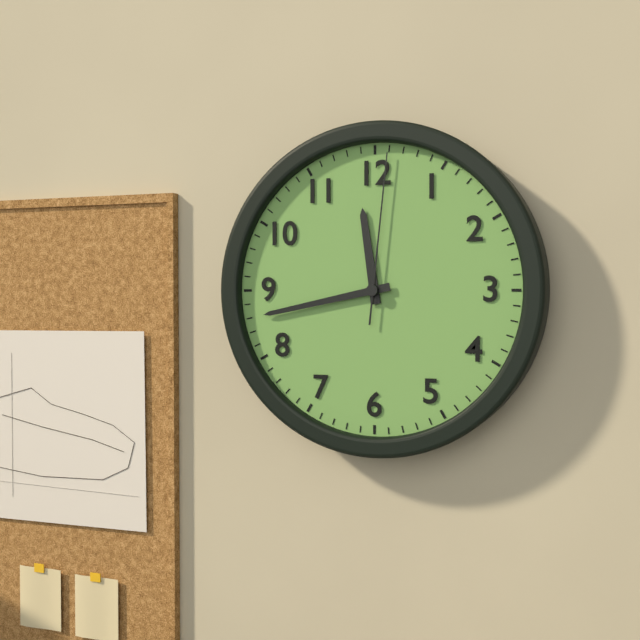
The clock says 11:43:01
